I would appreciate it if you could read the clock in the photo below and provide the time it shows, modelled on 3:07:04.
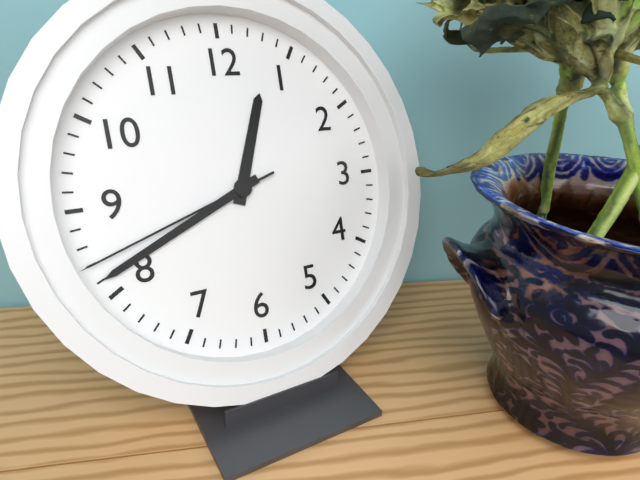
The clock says 12:41:42
